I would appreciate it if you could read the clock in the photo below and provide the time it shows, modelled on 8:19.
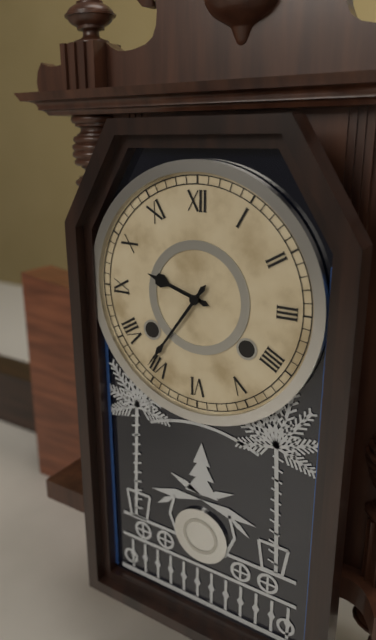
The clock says 9:36
